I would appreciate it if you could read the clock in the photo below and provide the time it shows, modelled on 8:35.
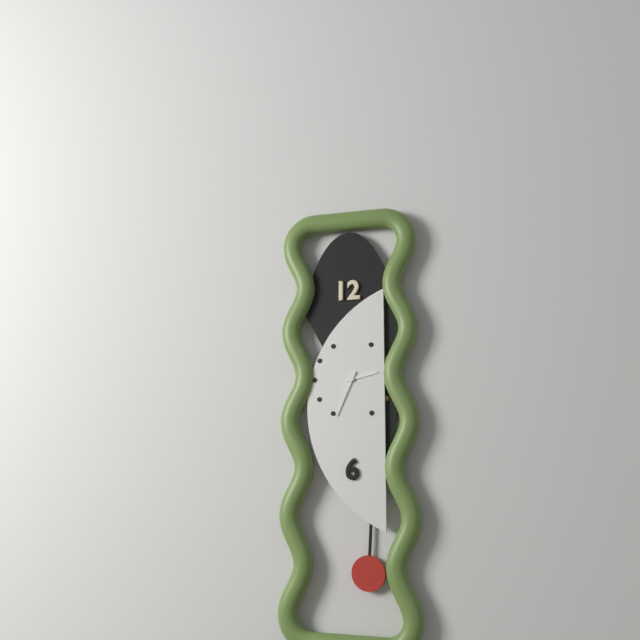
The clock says 2:34
